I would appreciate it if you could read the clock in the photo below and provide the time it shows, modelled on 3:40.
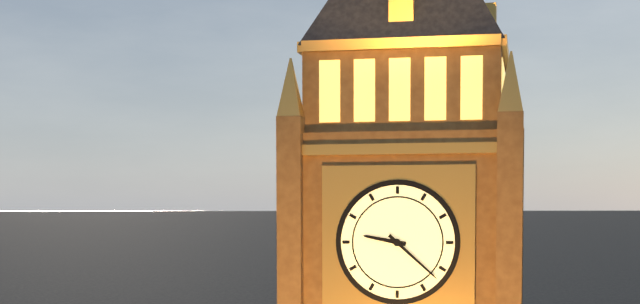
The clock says 9:22
